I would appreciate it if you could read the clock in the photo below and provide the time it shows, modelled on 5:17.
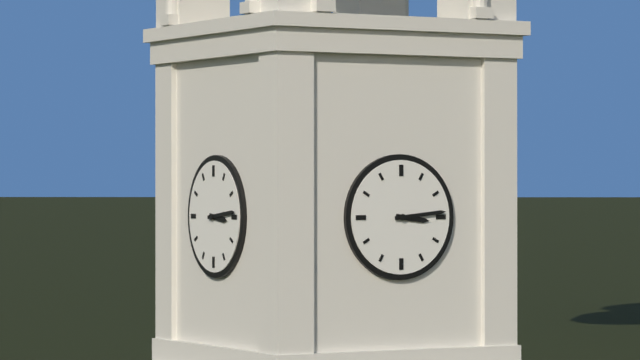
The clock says 3:14
